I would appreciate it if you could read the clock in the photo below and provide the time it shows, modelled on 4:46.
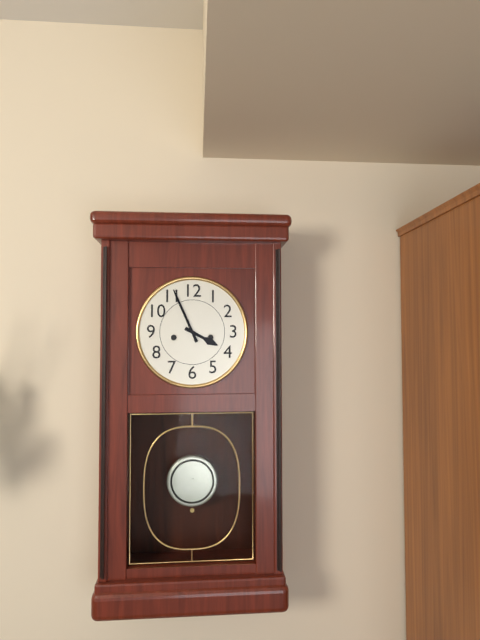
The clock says 3:56
